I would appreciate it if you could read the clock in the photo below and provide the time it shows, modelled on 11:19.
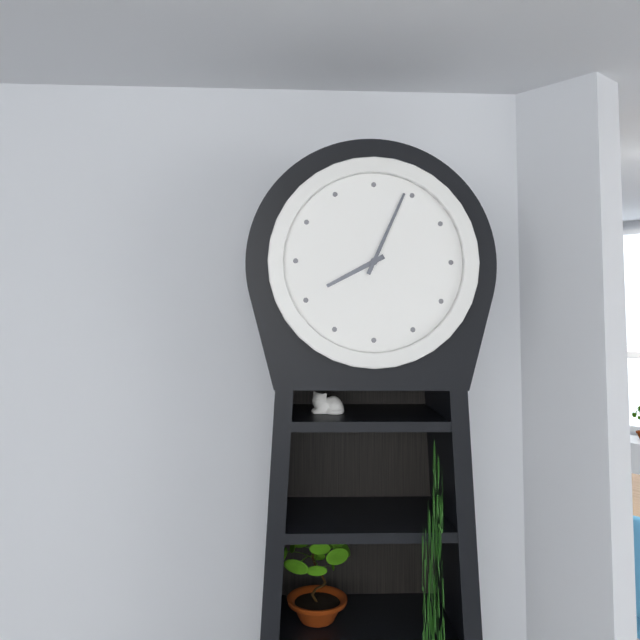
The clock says 8:04
